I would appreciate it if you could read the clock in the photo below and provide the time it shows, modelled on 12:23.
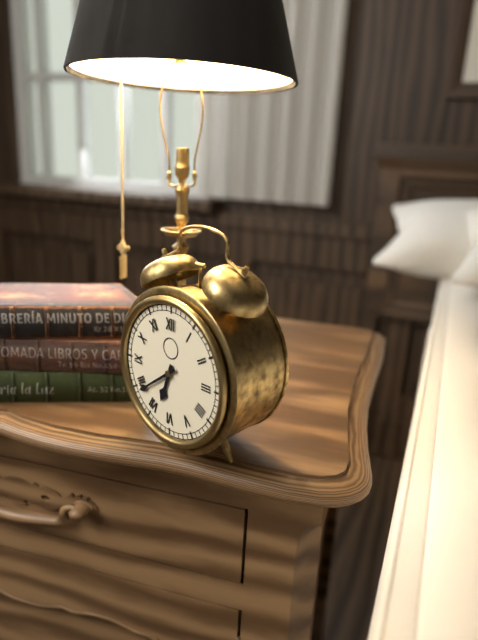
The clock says 6:39
